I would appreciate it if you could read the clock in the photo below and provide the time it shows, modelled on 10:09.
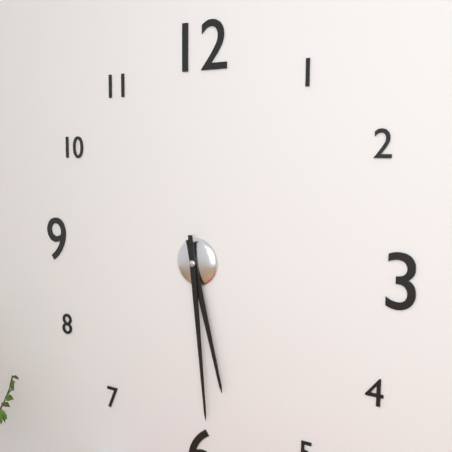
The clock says 5:29
